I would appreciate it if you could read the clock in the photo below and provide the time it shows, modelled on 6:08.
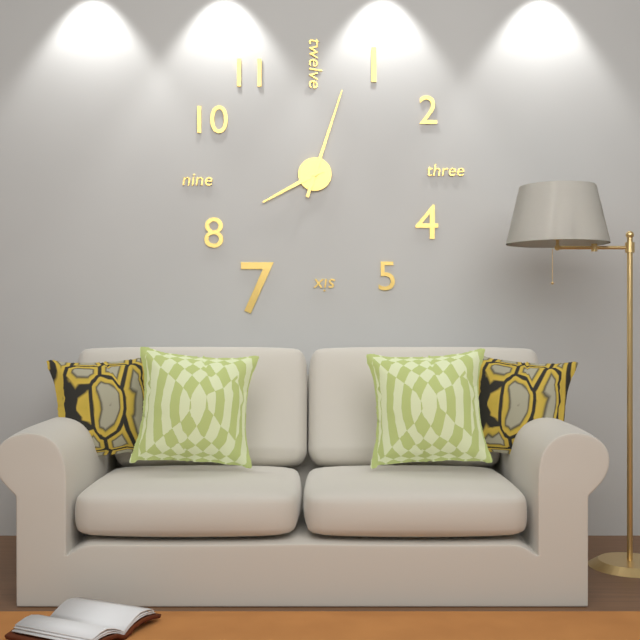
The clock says 8:03
